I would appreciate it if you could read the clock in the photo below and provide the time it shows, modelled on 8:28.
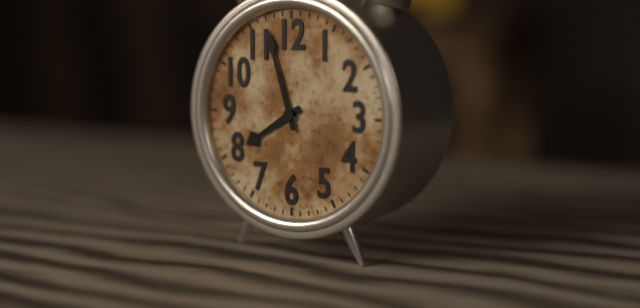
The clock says 7:57
